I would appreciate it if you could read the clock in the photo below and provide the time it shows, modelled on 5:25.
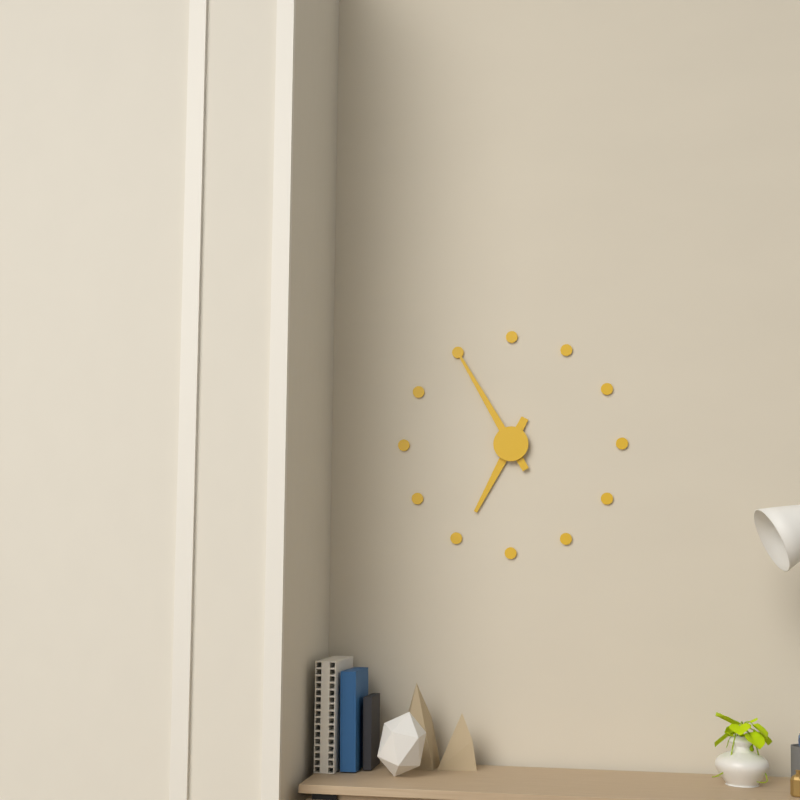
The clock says 6:55
